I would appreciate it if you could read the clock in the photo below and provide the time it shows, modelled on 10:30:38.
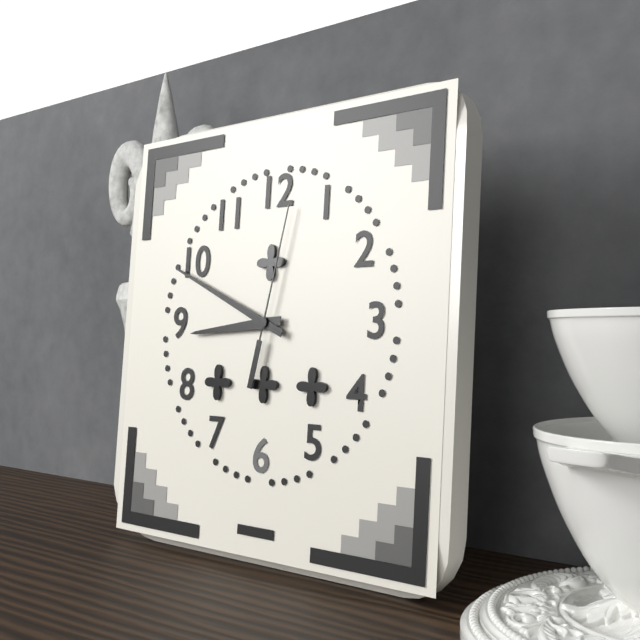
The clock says 8:49:02
